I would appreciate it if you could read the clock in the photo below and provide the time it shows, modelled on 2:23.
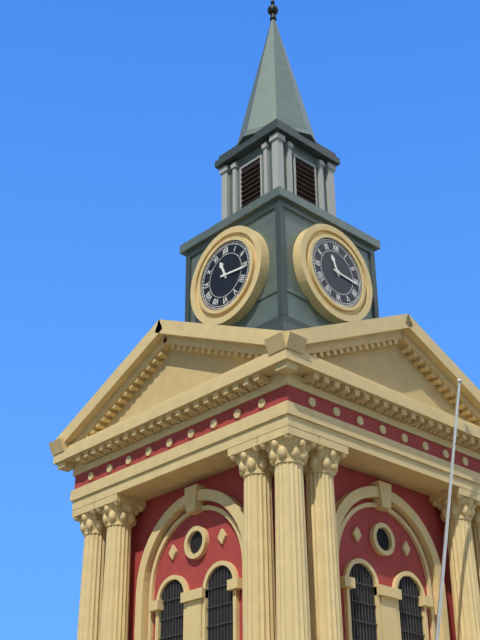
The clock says 11:16
